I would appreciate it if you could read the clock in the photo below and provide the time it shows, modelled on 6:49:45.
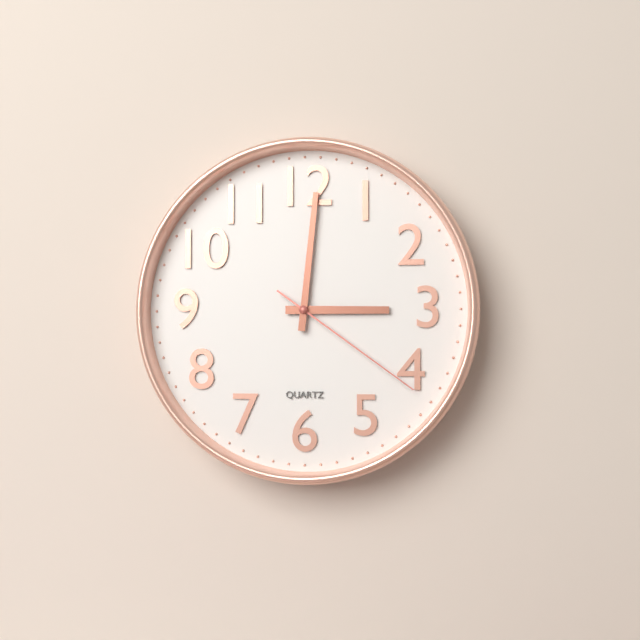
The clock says 3:01:21
